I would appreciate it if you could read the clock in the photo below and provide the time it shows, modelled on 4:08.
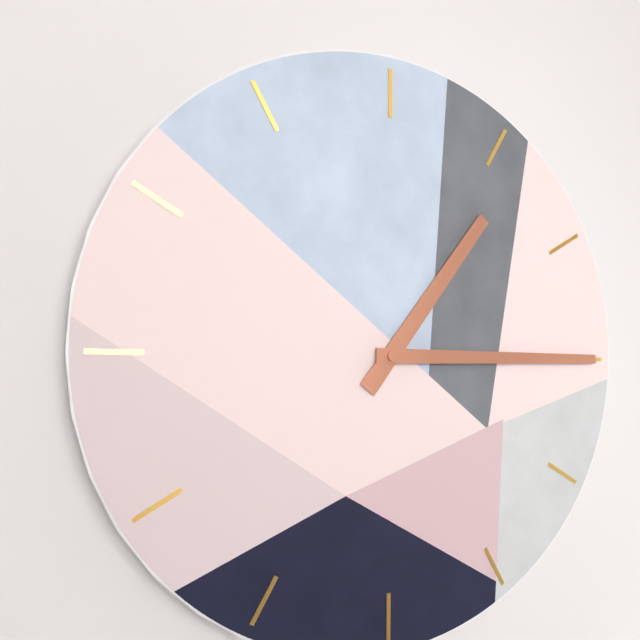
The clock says 1:15
